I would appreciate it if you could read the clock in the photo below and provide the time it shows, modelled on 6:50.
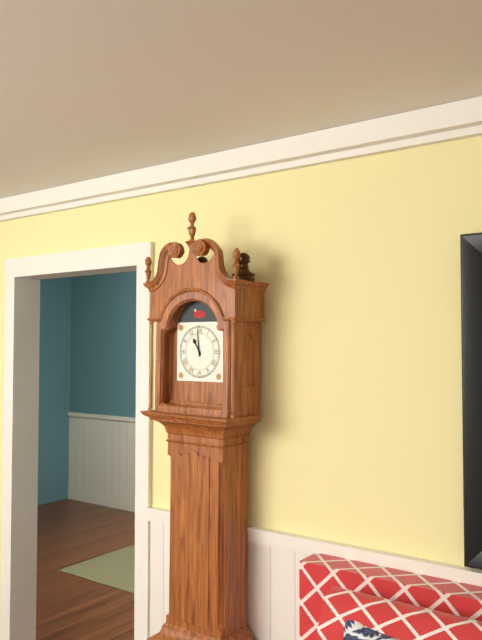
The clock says 10:59
